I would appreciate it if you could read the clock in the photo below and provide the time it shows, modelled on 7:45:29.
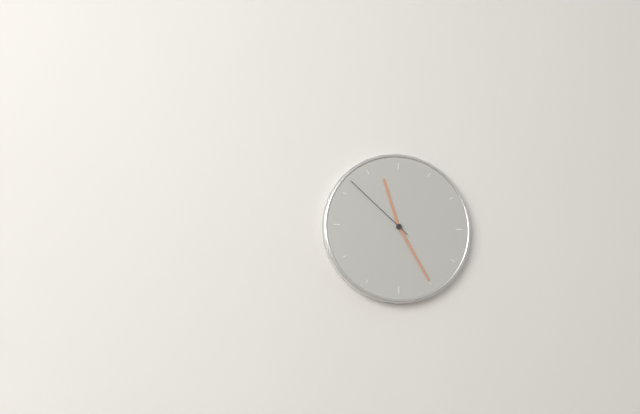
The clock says 11:25:52
